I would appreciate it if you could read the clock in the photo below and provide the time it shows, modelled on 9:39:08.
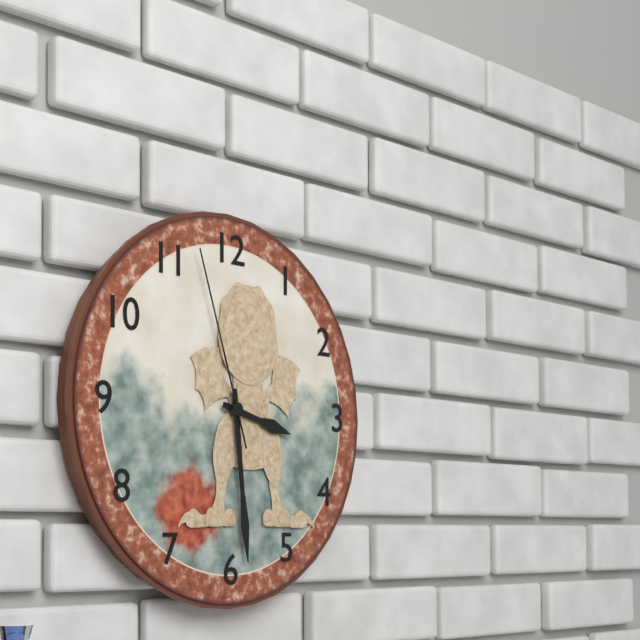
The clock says 3:29:57
